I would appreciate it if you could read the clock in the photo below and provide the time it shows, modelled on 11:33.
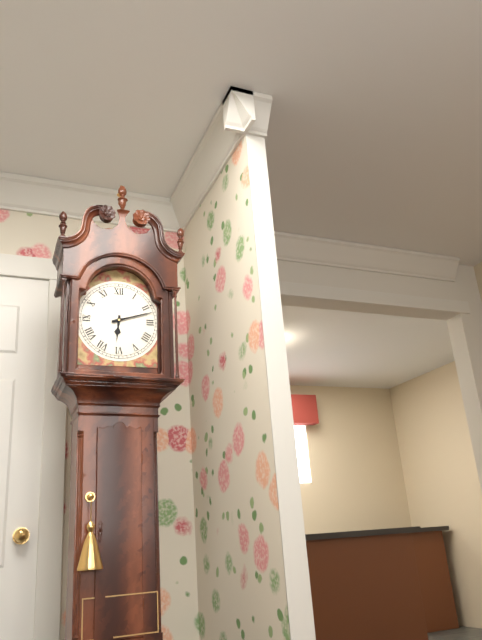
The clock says 6:12
